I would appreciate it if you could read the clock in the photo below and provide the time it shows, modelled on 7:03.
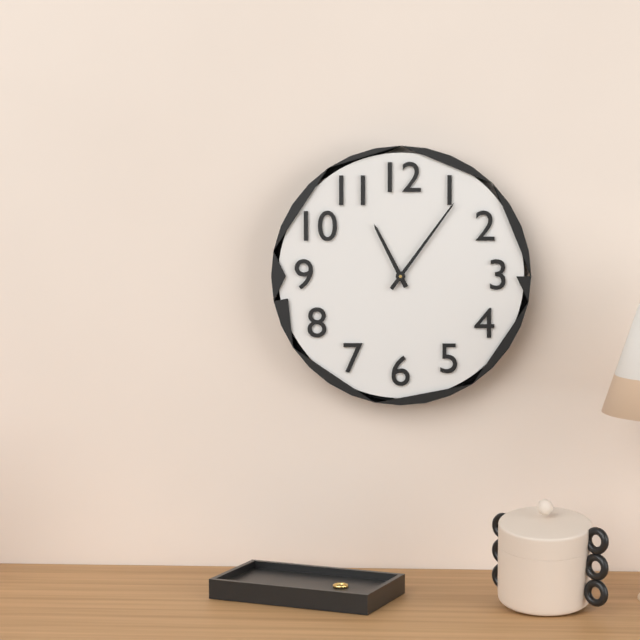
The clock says 11:06
